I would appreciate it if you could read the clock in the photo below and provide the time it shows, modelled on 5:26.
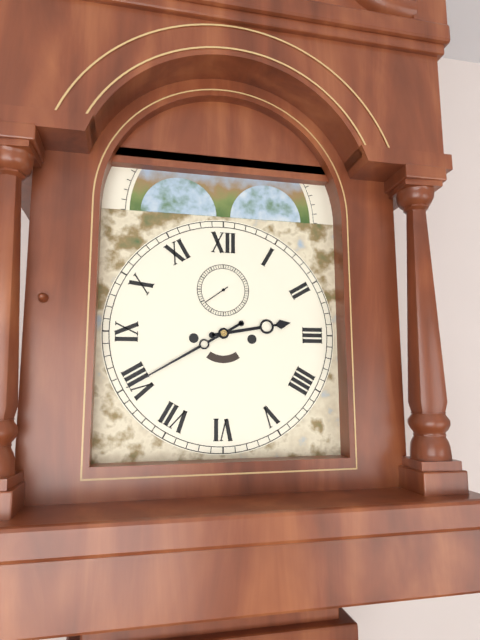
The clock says 2:40
